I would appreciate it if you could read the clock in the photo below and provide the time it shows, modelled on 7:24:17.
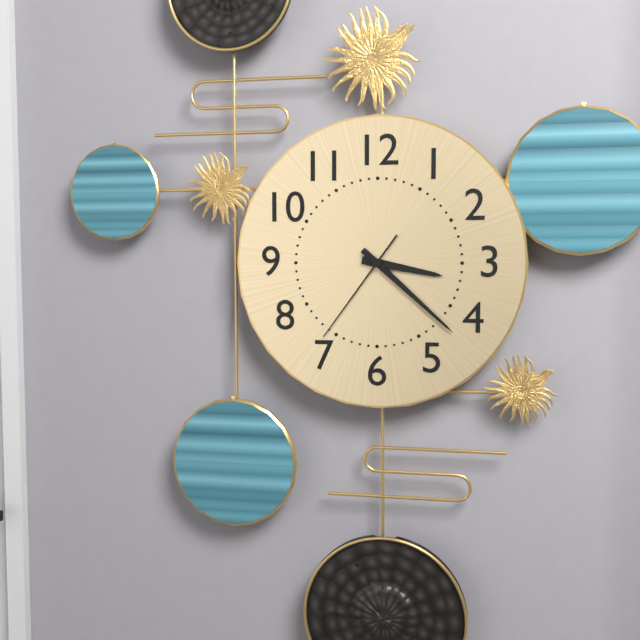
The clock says 3:22:36
